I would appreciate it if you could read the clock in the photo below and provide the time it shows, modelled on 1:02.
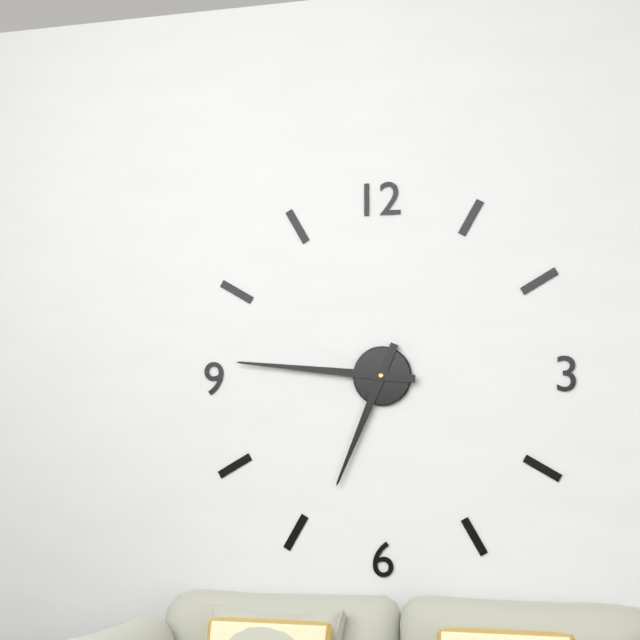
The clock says 6:46
